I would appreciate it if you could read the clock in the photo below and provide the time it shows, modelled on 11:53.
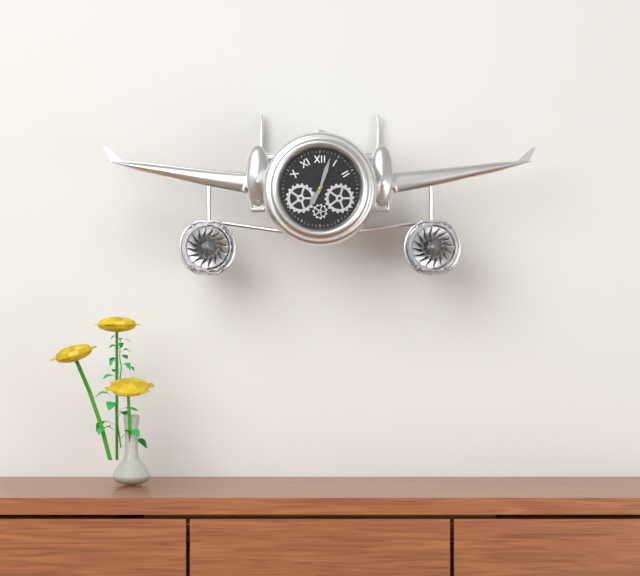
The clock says 7:03
